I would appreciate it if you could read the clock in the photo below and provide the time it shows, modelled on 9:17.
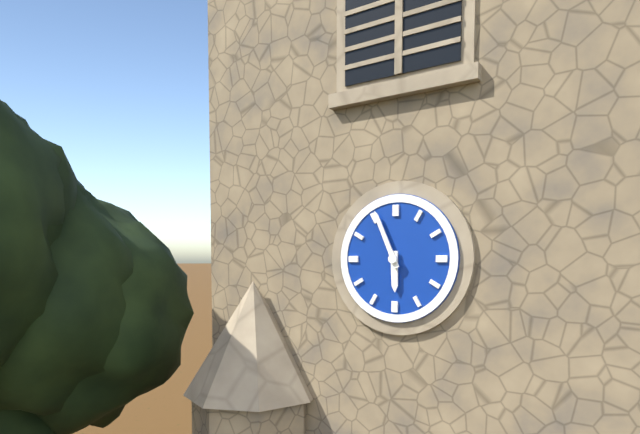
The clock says 5:56
